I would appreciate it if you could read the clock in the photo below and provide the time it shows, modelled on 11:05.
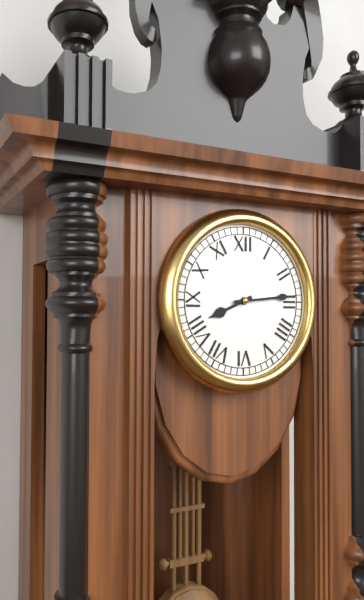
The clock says 8:14
